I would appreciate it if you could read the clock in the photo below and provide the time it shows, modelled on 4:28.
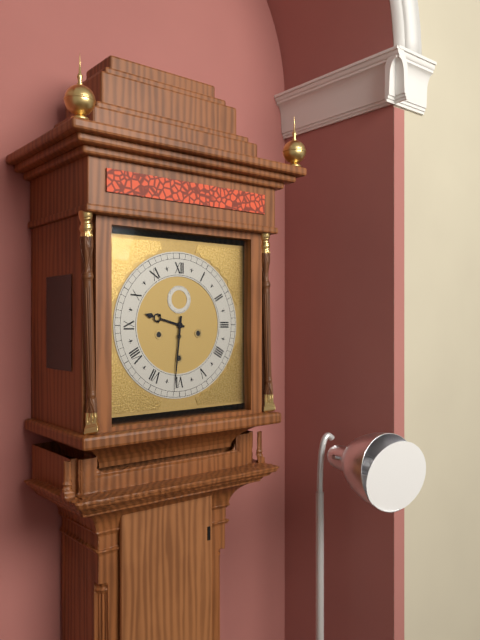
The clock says 9:31
